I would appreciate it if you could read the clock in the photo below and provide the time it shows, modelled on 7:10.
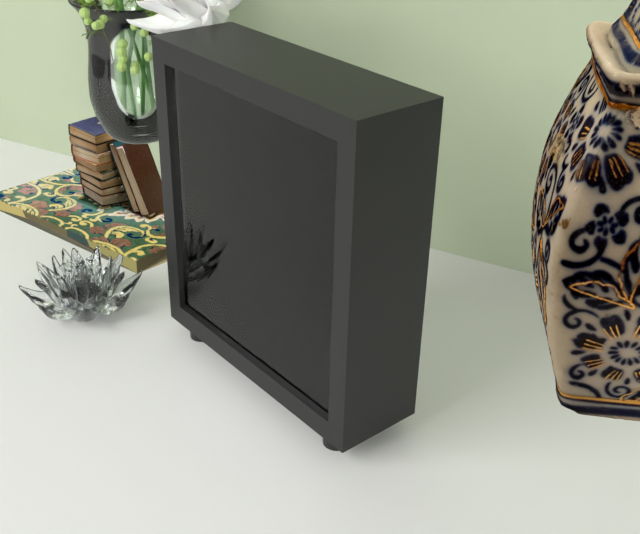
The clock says 8:28
